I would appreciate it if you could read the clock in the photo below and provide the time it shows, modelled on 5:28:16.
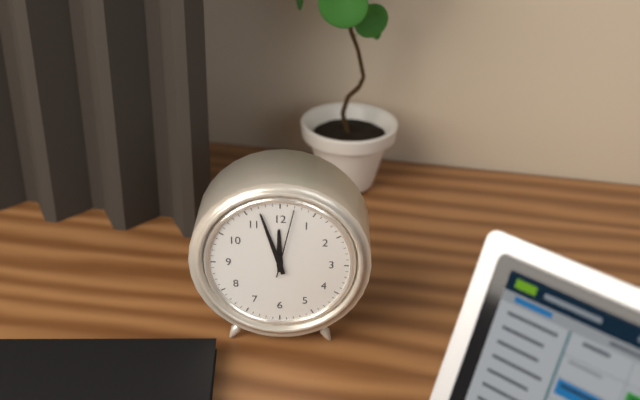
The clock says 11:57:02
